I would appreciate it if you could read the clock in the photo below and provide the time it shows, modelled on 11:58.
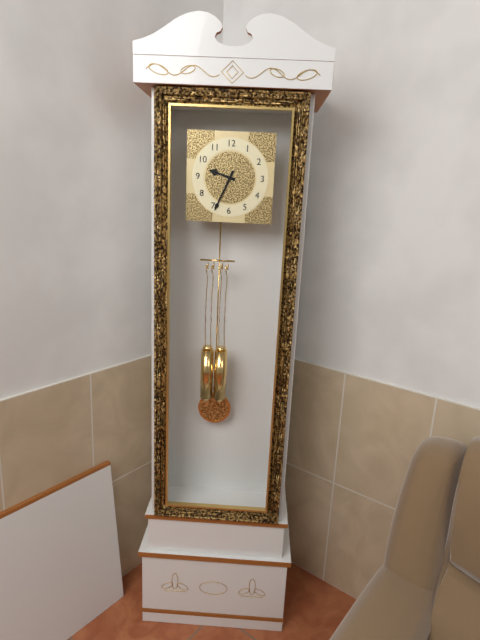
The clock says 9:34
